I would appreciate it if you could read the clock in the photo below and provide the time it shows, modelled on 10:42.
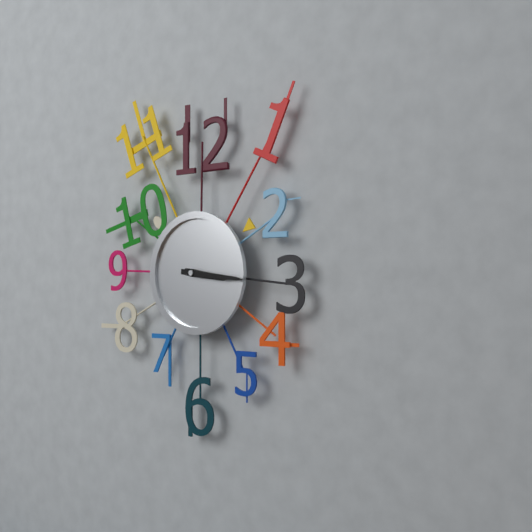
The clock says 3:16
